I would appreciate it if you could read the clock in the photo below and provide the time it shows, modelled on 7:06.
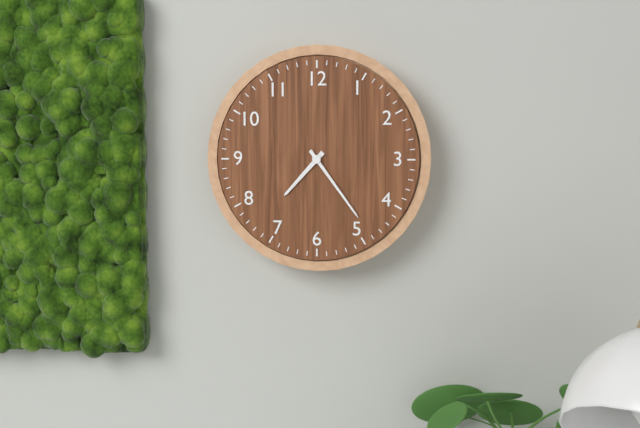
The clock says 7:24
